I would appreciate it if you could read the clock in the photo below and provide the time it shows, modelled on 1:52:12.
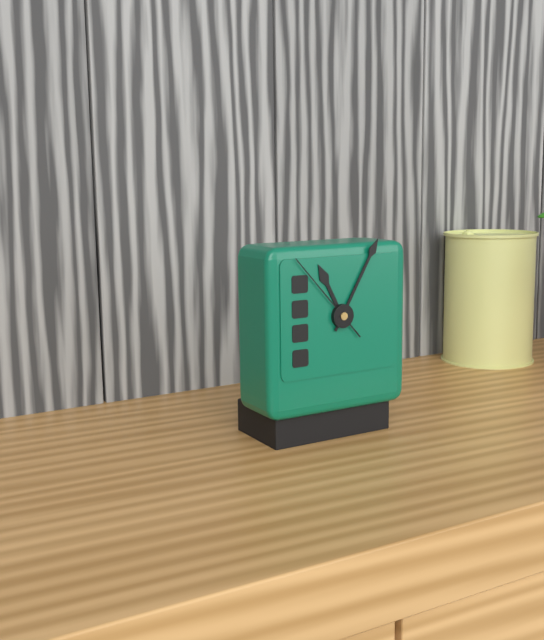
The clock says 11:05:53
